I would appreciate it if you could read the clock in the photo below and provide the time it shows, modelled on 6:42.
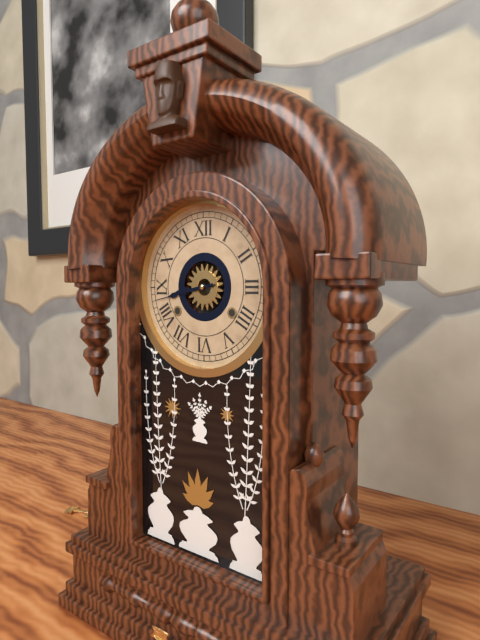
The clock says 8:43
